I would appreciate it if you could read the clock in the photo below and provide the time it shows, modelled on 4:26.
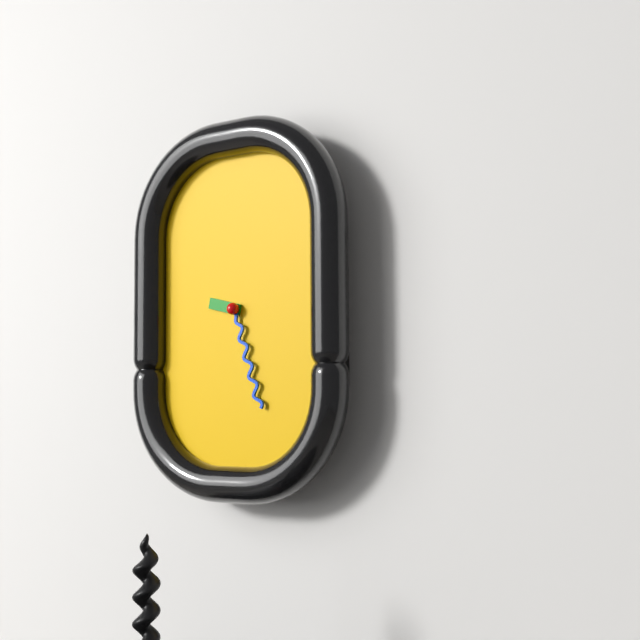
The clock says 9:27
